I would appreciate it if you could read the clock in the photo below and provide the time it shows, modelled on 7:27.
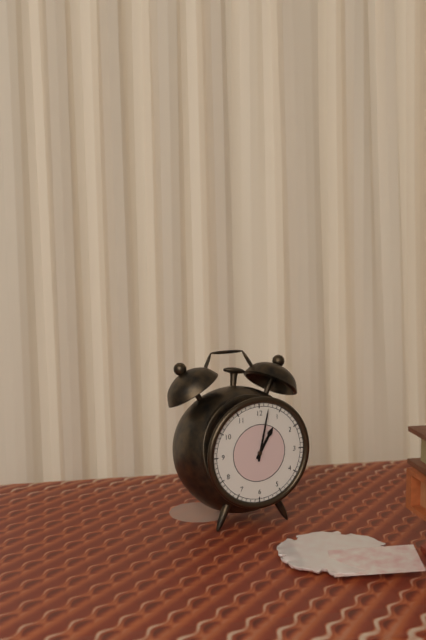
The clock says 1:02
